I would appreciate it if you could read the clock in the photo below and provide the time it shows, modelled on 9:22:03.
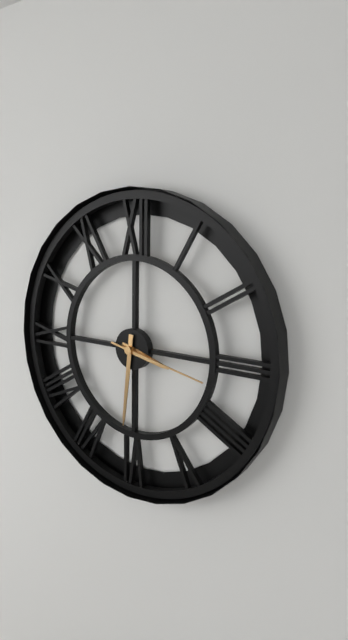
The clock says 3:31:17
